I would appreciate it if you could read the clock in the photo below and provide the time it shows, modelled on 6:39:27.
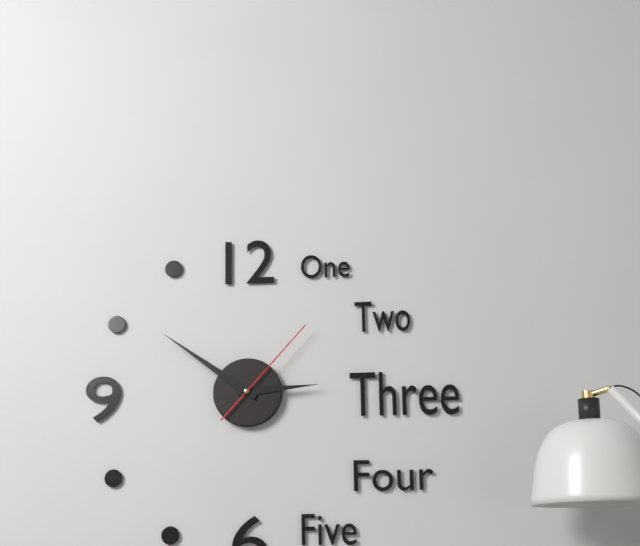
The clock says 2:51:07
